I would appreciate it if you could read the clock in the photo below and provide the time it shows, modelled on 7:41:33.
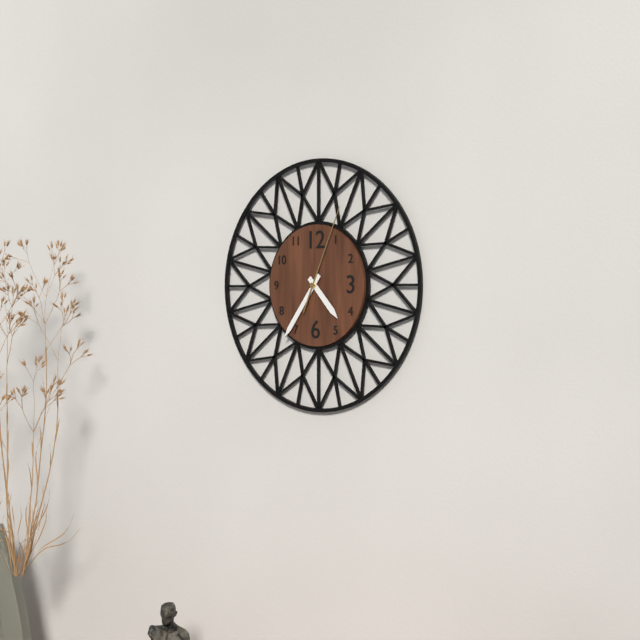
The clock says 4:36:04
